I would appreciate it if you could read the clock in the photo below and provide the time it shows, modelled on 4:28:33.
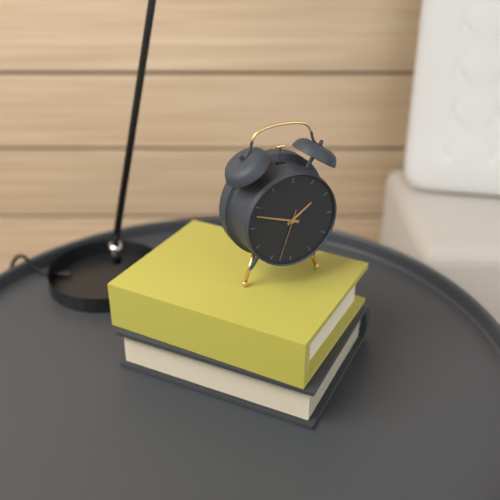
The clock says 1:48:33
